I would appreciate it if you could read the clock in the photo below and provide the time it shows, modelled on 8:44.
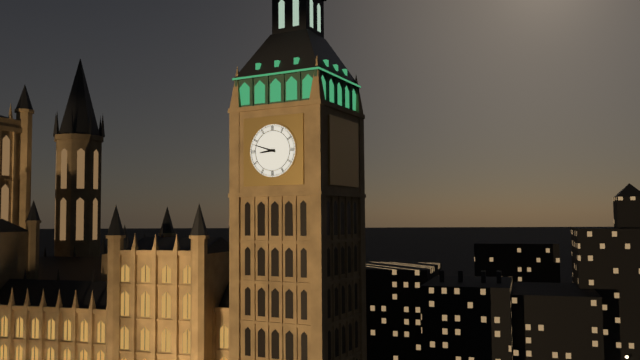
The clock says 8:48
